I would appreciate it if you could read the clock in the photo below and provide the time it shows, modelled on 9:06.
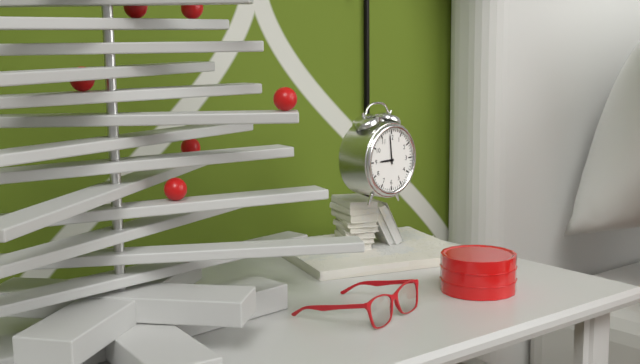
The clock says 8:59
